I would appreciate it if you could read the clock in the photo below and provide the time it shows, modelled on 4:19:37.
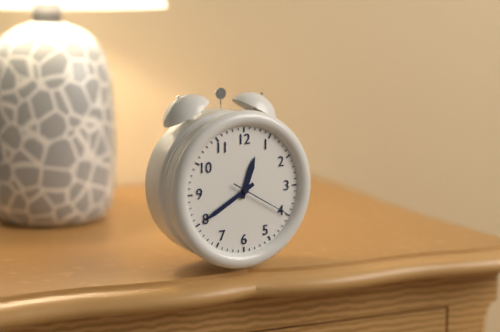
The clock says 12:40:20
